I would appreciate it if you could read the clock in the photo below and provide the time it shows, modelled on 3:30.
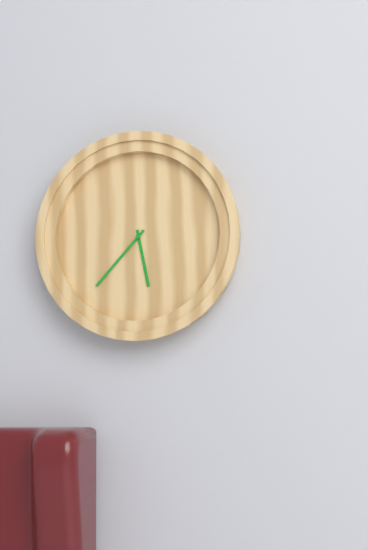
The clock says 5:37
